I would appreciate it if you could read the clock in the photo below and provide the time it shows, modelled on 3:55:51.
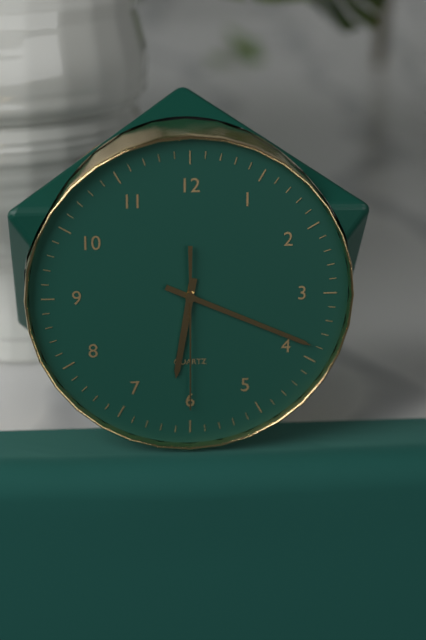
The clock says 6:19:30
